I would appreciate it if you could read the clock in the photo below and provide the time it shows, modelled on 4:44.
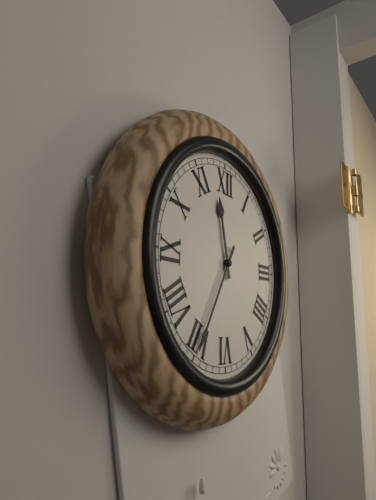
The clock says 11:35
